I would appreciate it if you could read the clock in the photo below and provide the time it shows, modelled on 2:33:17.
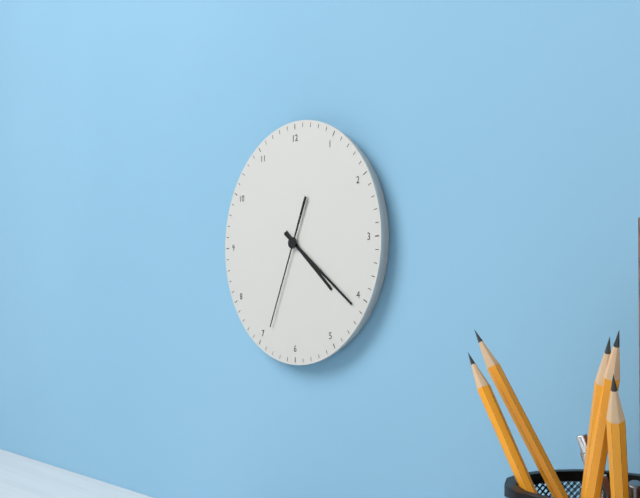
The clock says 4:21:34
